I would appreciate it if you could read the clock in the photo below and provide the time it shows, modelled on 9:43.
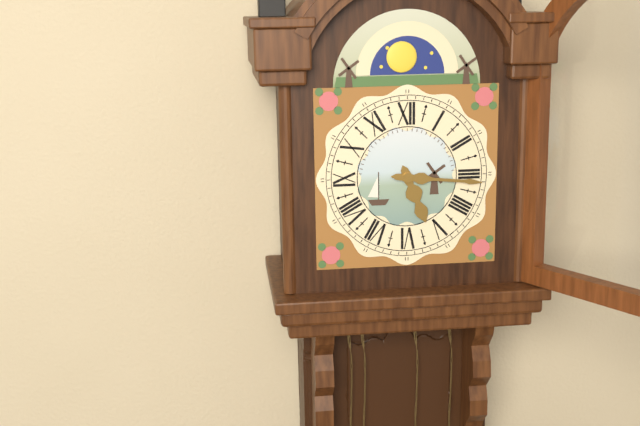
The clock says 5:16
